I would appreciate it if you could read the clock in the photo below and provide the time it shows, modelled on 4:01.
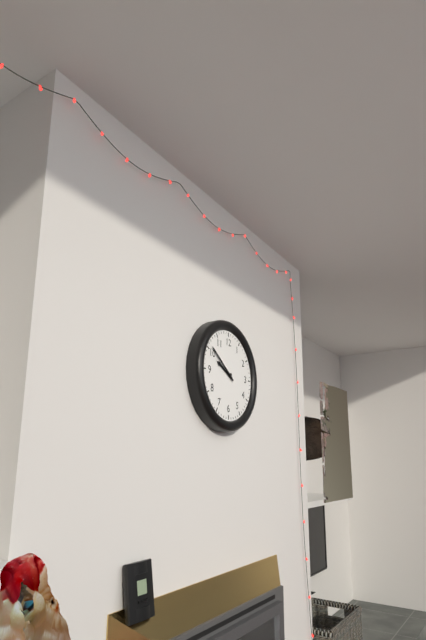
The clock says 9:51
